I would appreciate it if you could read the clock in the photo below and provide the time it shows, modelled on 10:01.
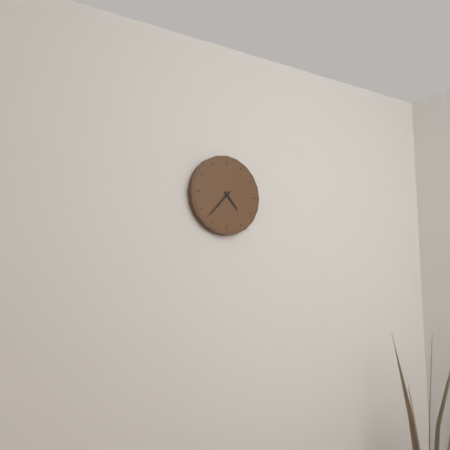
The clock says 4:37
